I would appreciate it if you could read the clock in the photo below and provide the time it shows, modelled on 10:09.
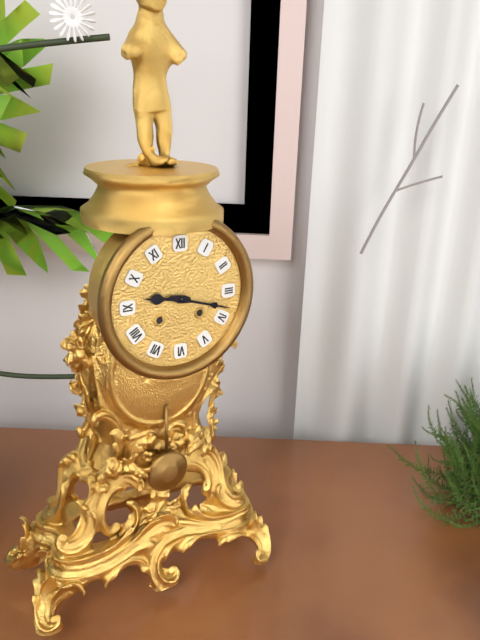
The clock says 9:18
